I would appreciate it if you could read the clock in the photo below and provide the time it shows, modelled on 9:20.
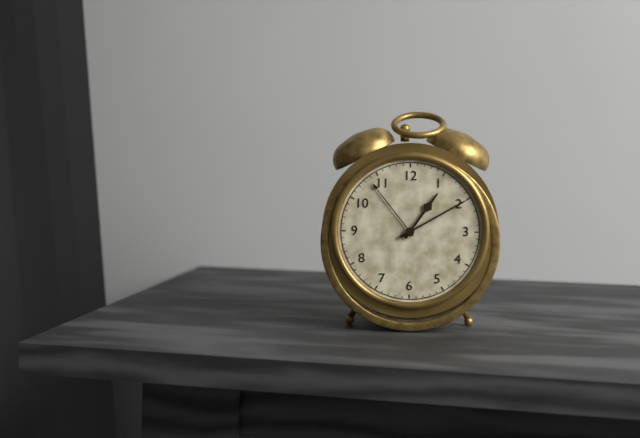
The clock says 1:10
